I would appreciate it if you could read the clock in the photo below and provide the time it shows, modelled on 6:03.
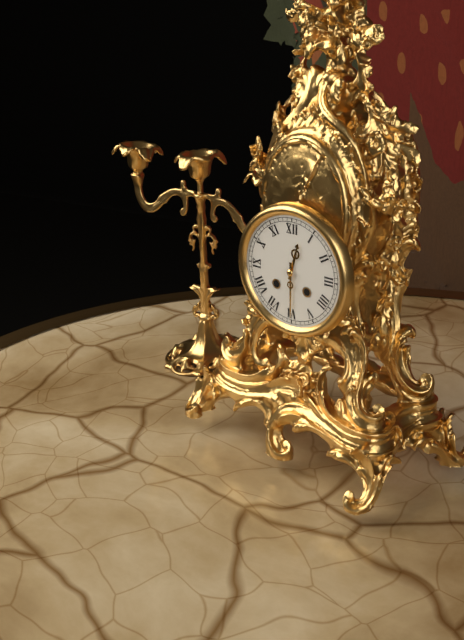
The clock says 12:30
